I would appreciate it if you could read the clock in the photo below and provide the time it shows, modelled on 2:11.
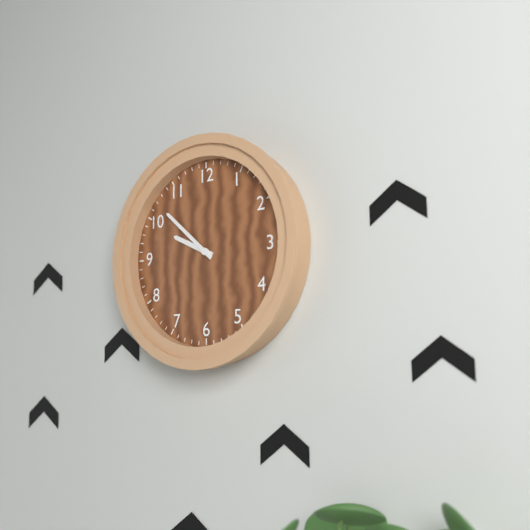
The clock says 9:52
